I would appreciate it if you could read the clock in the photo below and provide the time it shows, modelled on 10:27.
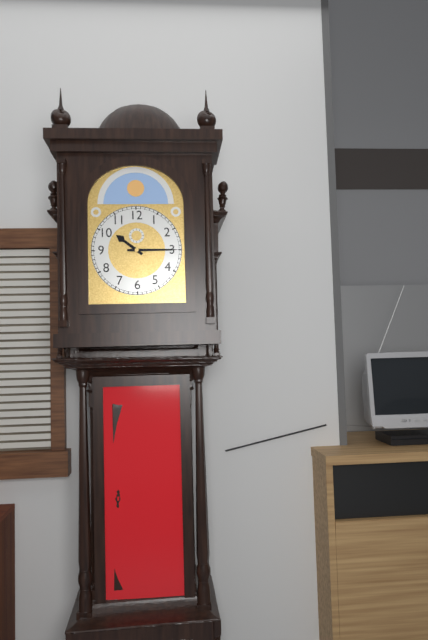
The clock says 10:15
